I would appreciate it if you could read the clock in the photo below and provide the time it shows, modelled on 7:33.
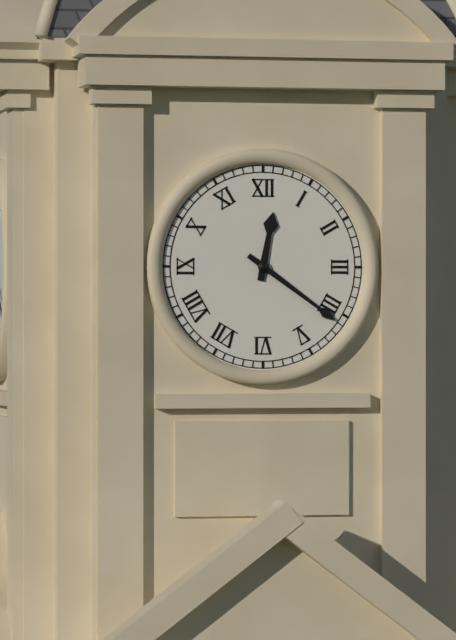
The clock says 12:21
